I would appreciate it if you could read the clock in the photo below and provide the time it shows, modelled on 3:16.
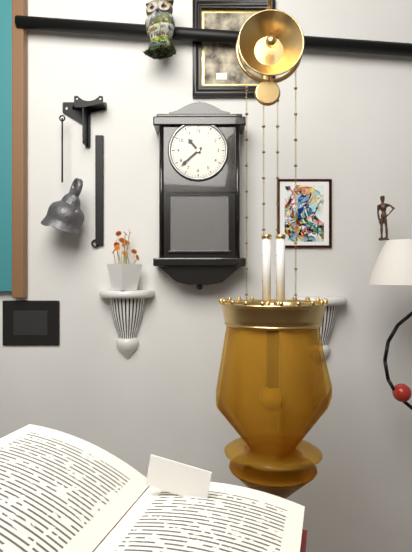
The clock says 10:38
